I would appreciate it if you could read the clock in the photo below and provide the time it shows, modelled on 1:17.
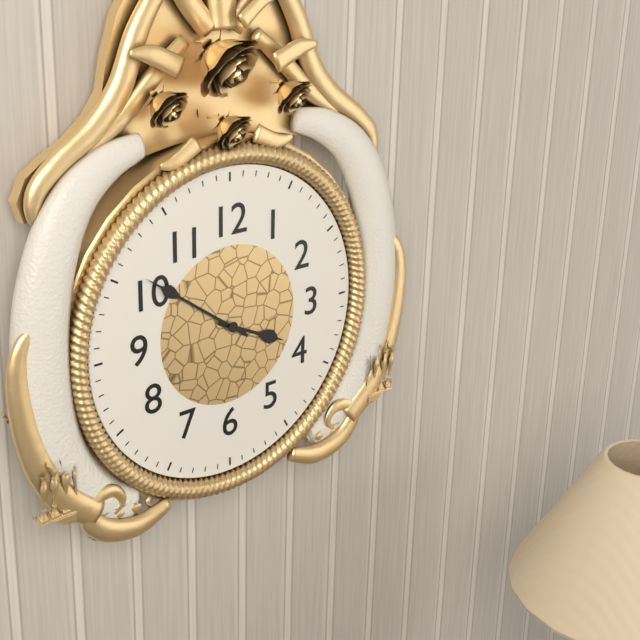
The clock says 3:51
